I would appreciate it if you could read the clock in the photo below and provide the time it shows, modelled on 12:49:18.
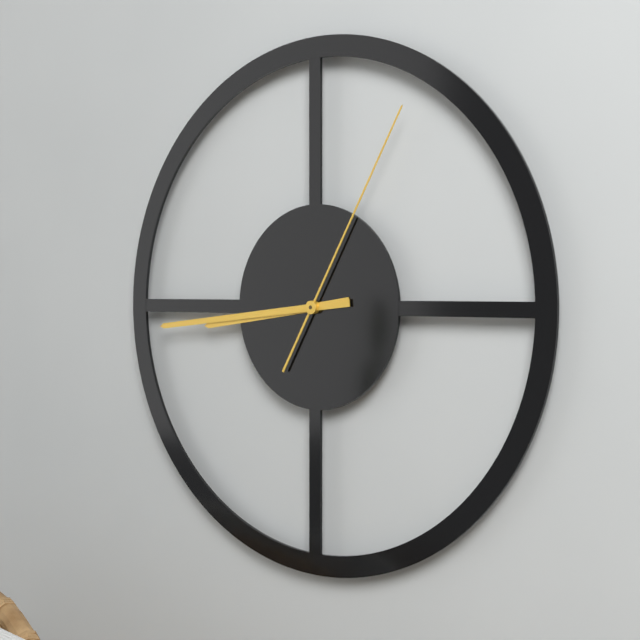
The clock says 8:44:05
